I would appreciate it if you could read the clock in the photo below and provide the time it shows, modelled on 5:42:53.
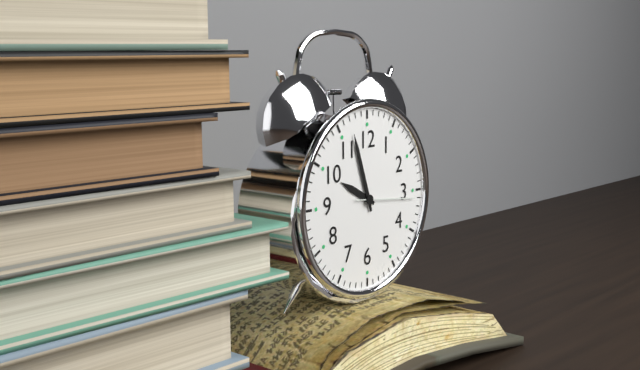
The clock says 9:57:16
